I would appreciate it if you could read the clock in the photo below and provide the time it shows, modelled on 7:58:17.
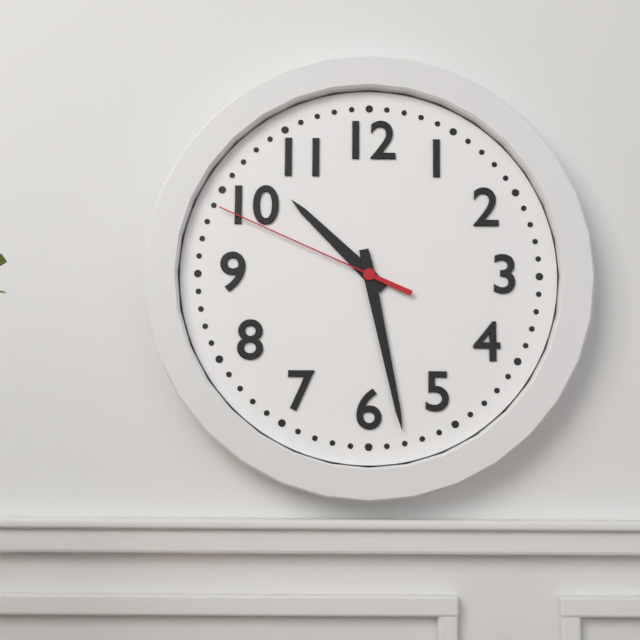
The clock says 10:28:49
